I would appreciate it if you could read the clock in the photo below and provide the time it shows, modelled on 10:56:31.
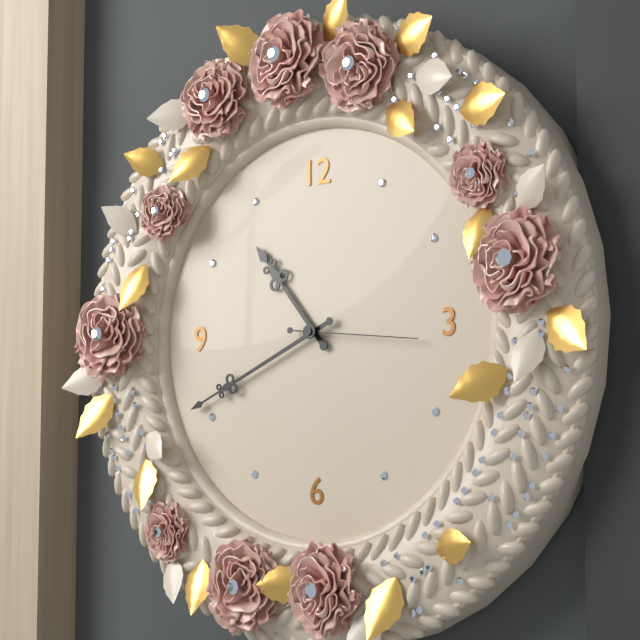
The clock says 10:41:16
